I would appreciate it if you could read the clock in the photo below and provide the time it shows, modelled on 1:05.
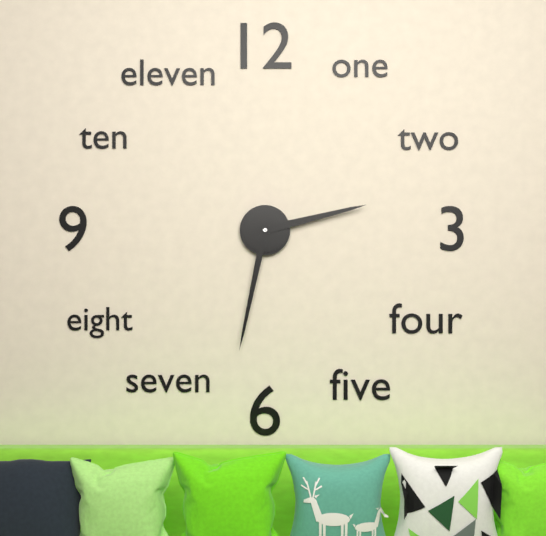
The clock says 2:32
